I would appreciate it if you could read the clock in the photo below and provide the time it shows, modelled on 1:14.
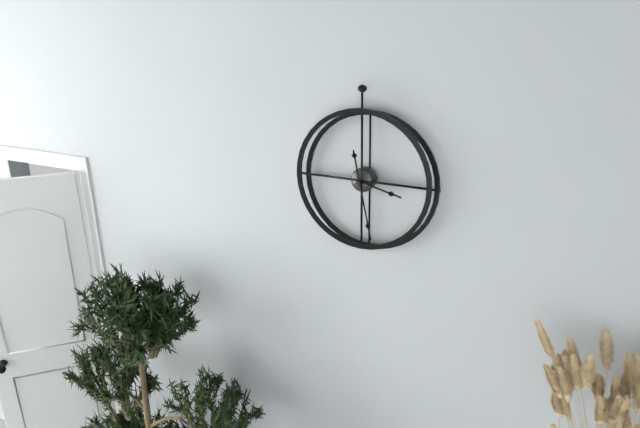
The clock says 3:28
